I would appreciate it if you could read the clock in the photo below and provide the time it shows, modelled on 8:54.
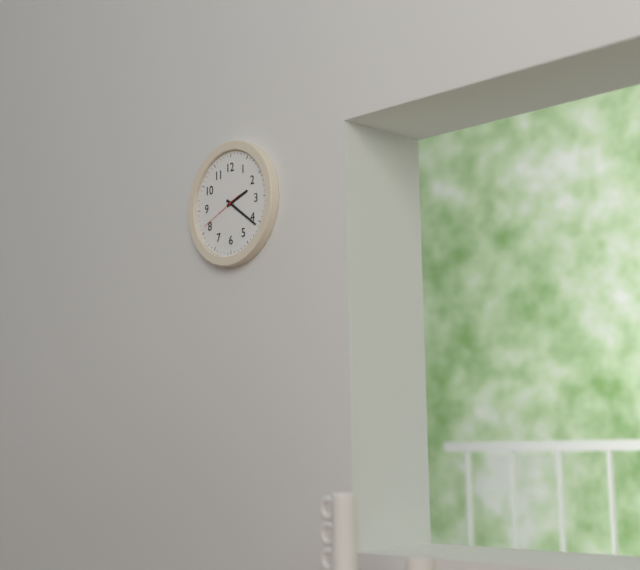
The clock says 2:21
